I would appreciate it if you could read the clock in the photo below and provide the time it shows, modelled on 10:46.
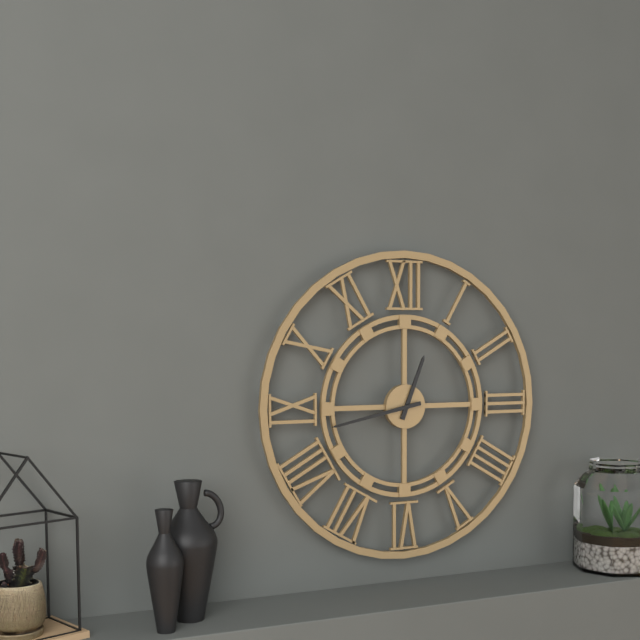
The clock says 12:43
